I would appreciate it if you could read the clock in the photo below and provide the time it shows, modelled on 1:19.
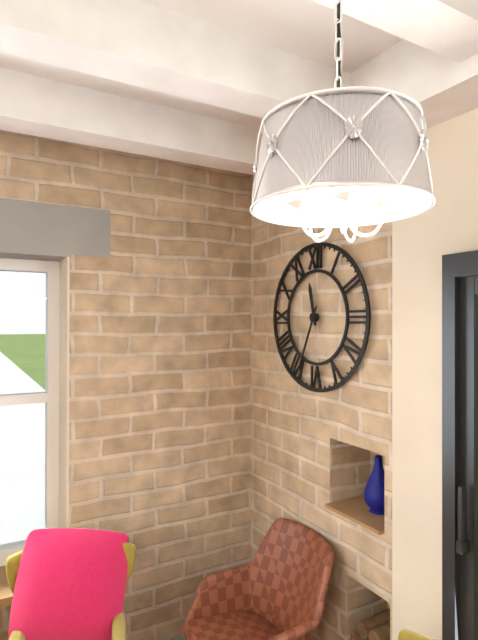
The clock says 11:34
